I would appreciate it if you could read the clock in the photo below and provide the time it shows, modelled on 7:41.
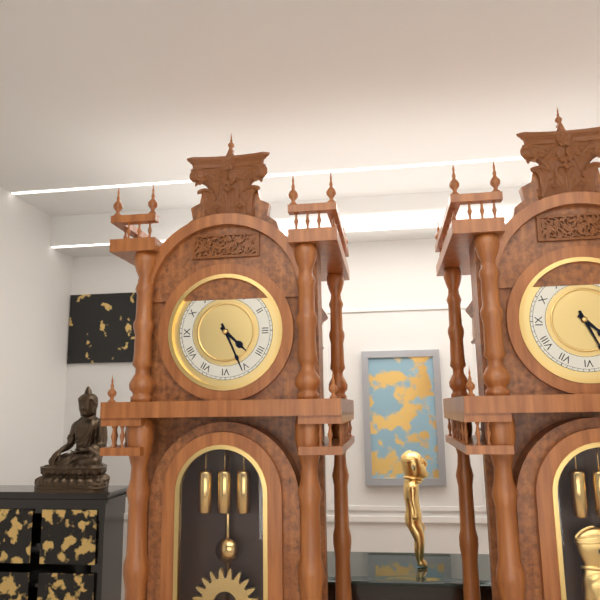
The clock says 4:26
